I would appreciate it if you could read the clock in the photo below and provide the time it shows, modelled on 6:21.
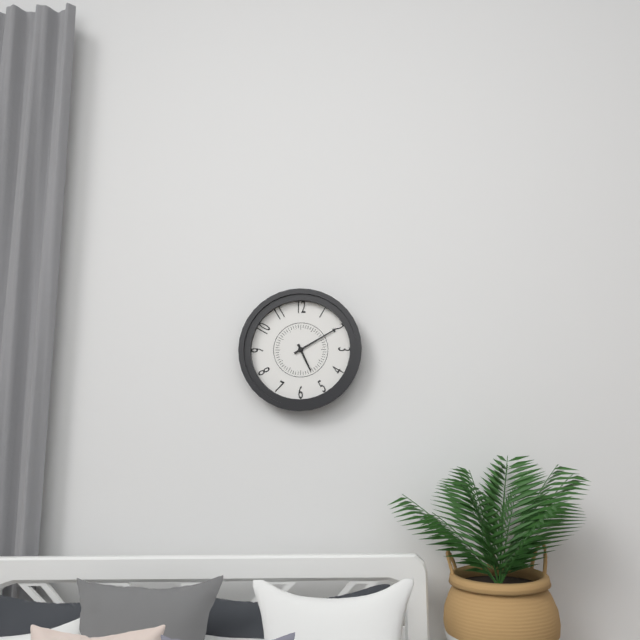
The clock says 5:10
